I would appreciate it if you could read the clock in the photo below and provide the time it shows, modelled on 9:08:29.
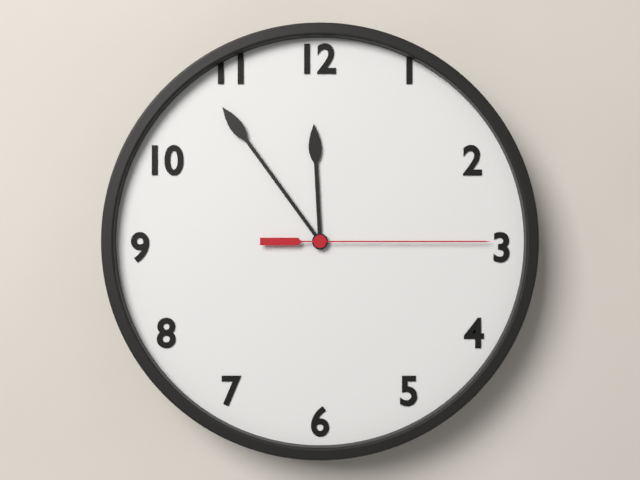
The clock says 11:54:15
